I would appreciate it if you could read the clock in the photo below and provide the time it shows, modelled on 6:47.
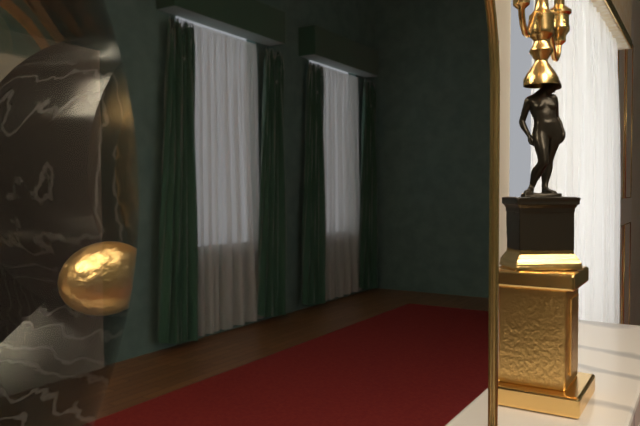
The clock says 5:33
